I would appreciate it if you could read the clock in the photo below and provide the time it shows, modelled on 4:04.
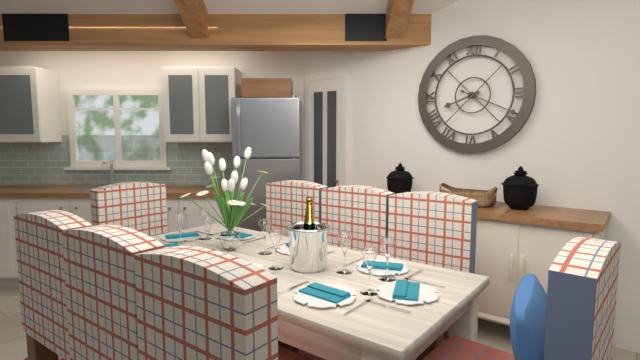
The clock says 8:19
